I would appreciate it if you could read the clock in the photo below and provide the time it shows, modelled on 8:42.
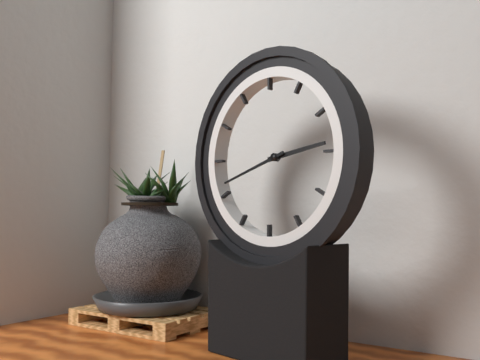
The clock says 2:42
